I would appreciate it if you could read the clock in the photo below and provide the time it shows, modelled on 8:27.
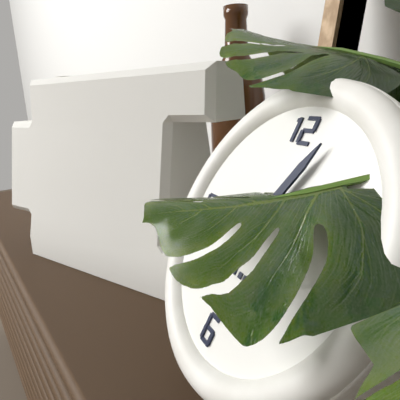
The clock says 7:04
